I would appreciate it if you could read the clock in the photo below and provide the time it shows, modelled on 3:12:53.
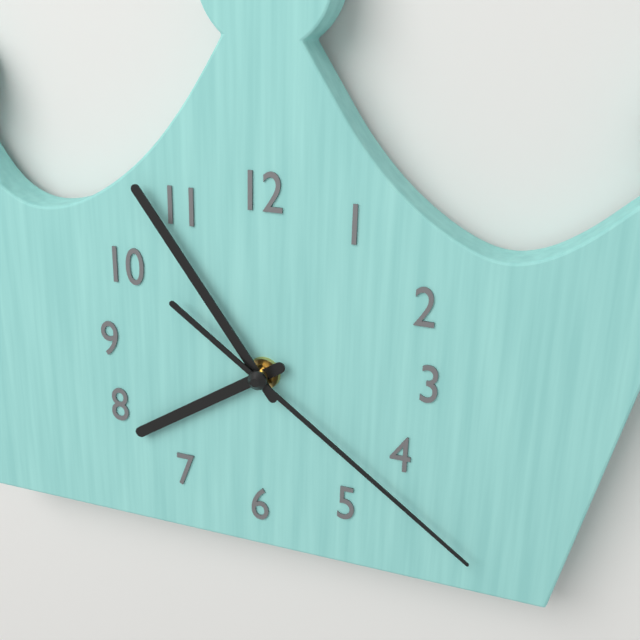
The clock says 7:54:21
